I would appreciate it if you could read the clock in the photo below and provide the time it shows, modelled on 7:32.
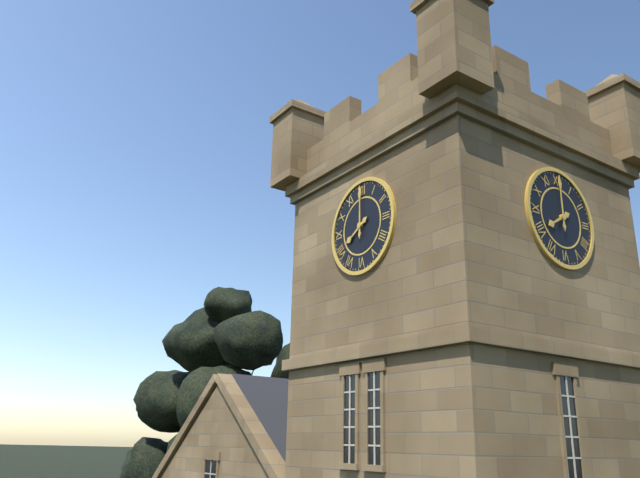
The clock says 8:00
